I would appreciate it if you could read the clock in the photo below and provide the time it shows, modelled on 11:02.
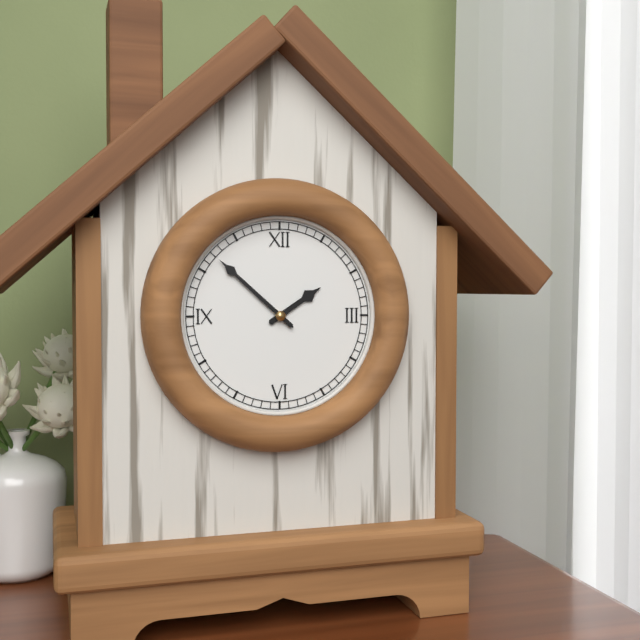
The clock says 1:52
